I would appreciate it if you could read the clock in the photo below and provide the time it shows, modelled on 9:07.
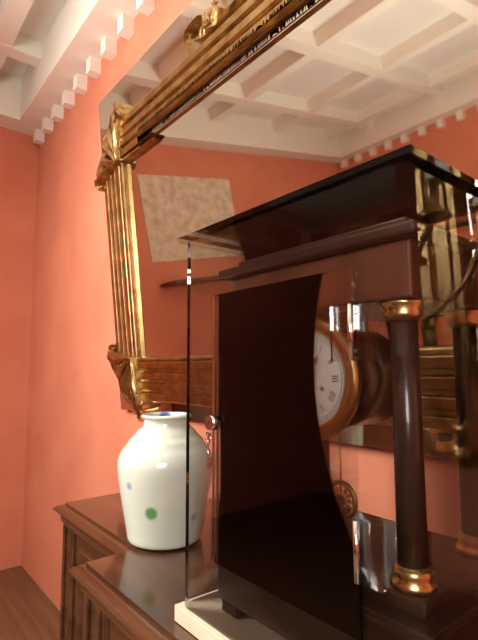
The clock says 1:01
